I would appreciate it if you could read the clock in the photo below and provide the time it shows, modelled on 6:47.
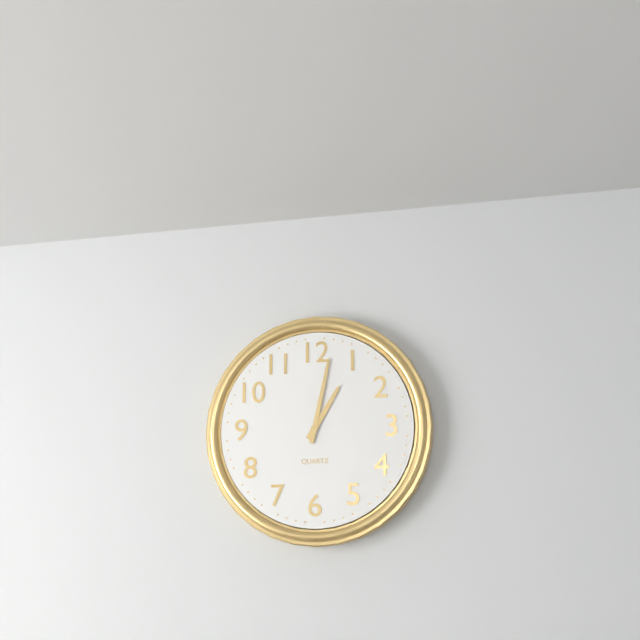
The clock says 1:02
